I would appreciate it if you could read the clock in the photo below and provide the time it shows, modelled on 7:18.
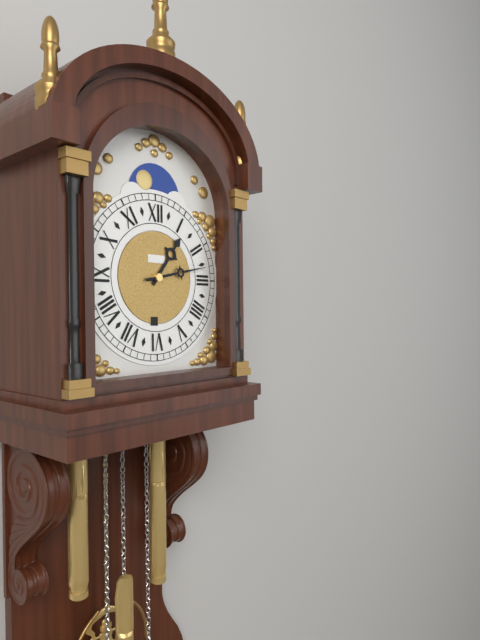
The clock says 1:13
